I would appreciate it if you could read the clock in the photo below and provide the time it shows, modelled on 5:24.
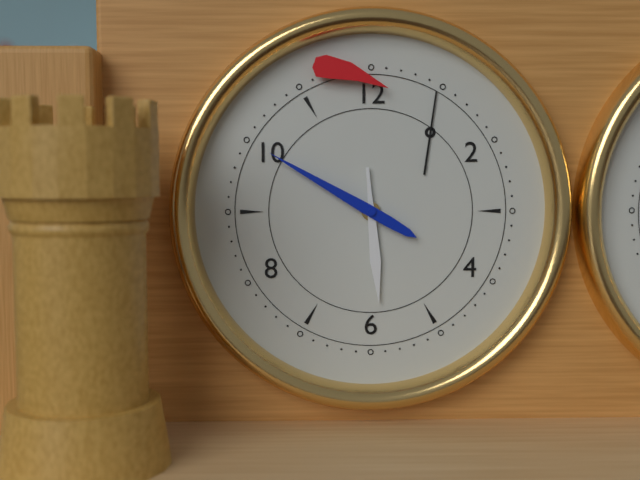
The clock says 5:50
